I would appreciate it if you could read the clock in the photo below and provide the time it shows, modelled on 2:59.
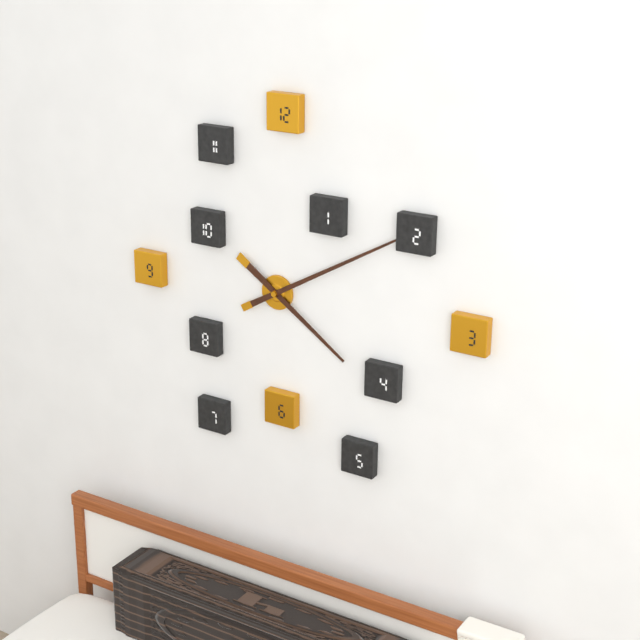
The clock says 4:10
